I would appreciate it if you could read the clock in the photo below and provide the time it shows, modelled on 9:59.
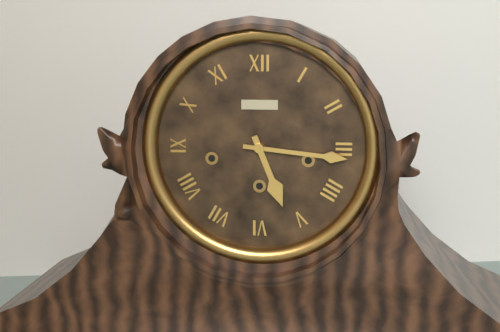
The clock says 5:16
